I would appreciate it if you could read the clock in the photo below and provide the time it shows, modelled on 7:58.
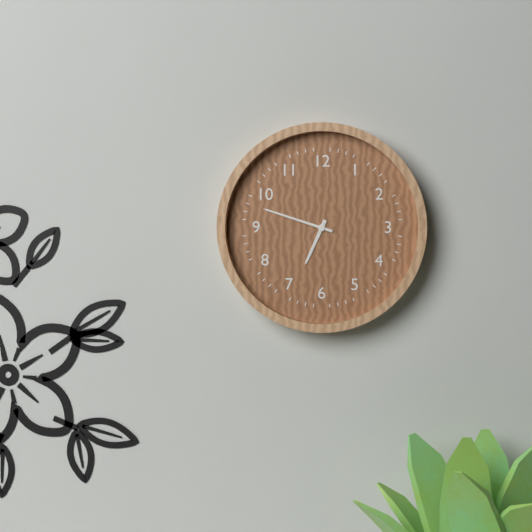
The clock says 6:48
